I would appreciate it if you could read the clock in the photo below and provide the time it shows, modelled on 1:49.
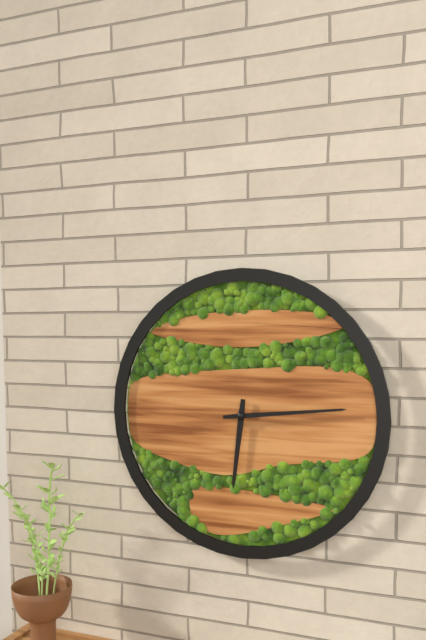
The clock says 6:14
